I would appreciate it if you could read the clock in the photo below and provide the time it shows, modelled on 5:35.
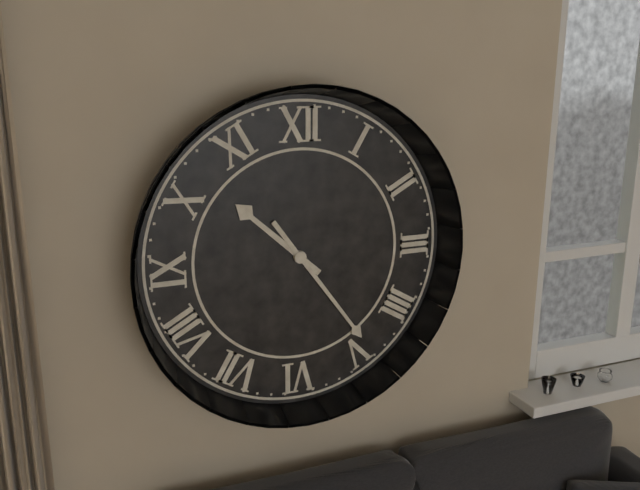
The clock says 10:24
